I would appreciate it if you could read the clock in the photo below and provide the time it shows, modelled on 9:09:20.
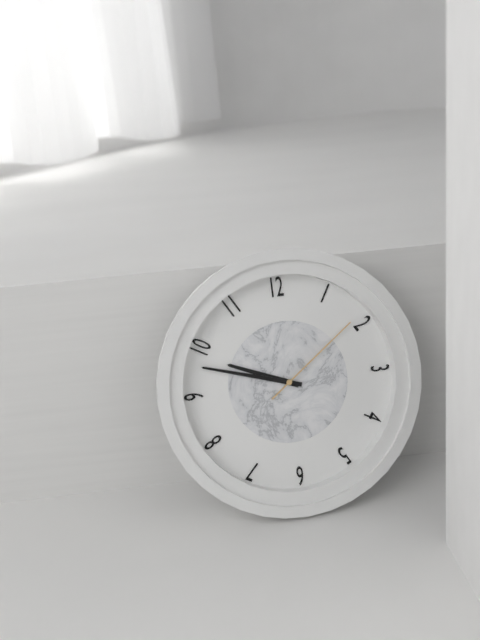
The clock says 9:48:09
